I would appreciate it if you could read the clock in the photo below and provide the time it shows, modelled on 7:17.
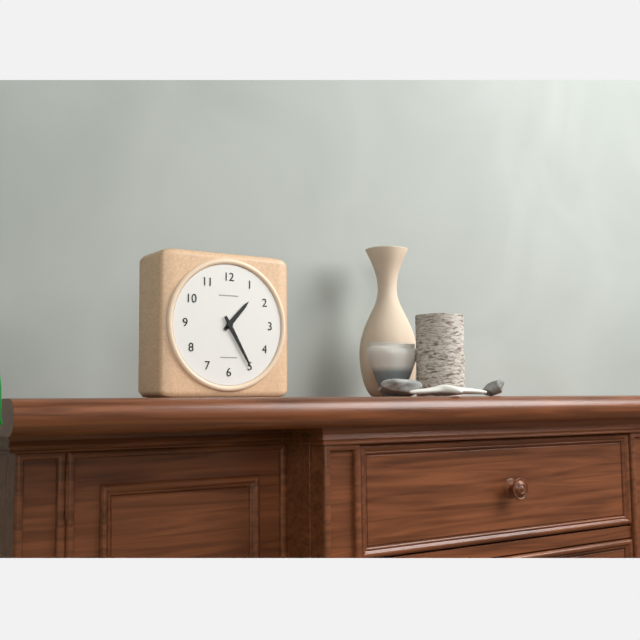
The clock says 1:25
